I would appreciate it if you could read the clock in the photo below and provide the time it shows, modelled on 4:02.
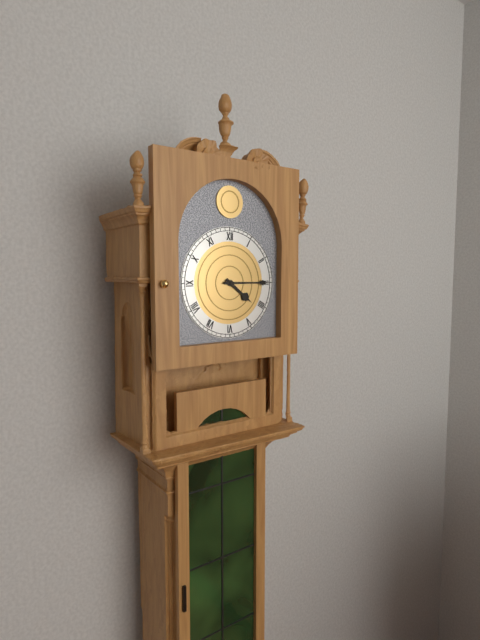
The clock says 4:15
